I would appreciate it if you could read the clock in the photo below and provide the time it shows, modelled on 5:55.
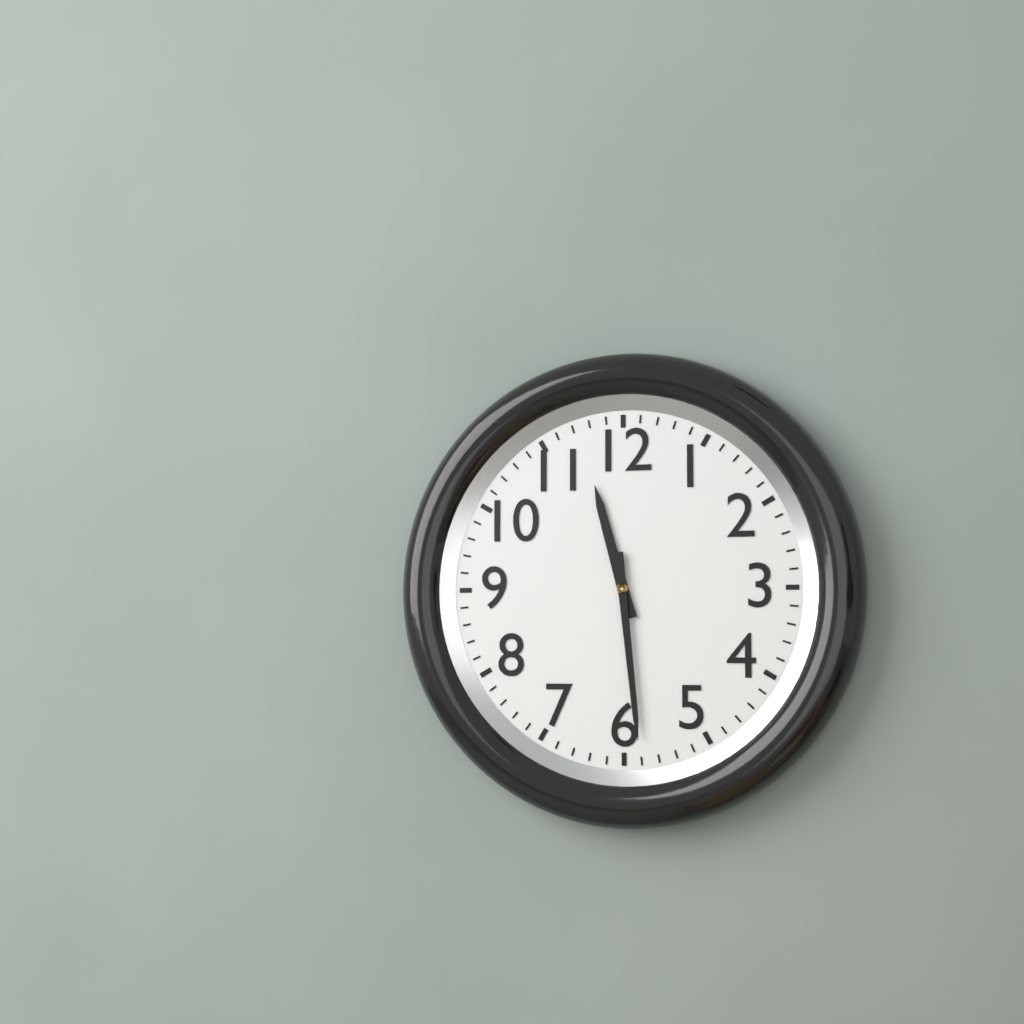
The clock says 11:29
